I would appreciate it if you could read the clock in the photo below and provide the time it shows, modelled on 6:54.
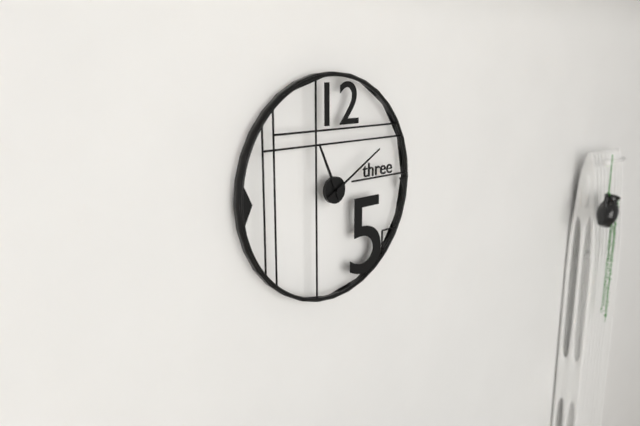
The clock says 11:10
